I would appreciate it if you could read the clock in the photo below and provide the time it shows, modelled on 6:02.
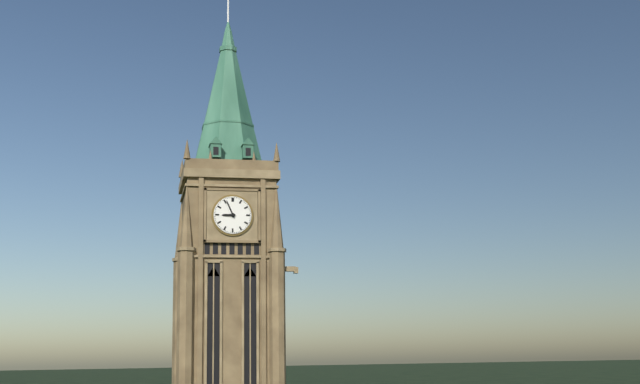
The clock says 8:56
